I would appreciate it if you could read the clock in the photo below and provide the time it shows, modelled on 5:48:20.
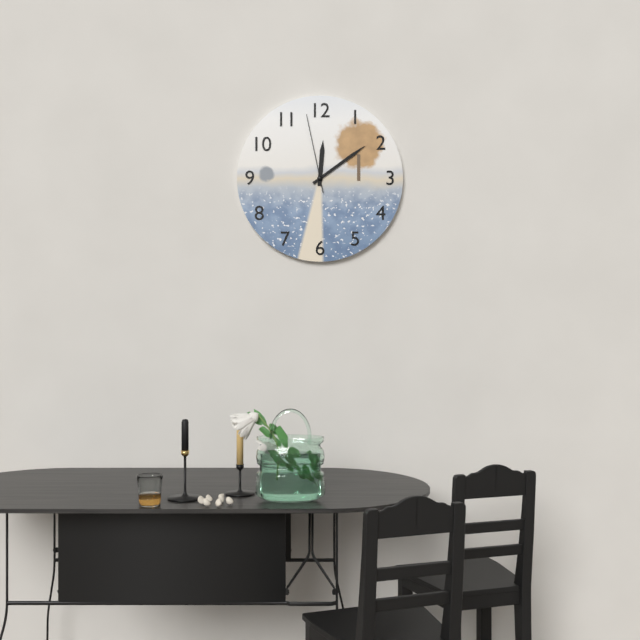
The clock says 12:09:58
